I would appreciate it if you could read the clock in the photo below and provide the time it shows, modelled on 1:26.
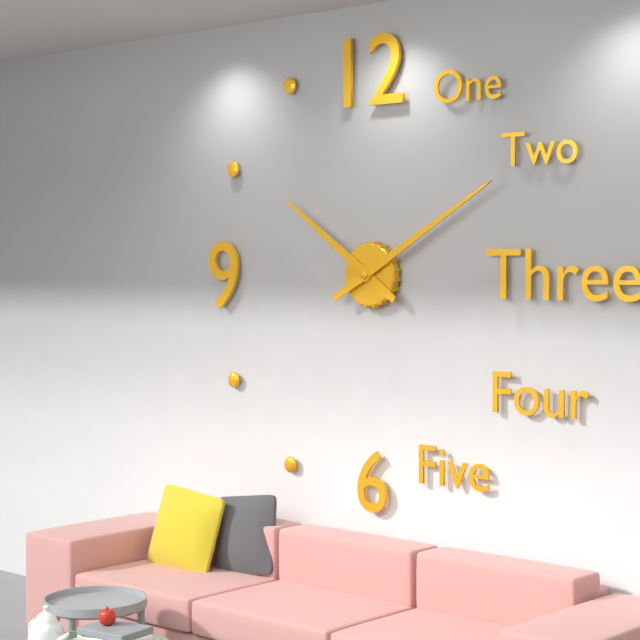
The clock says 10:10
